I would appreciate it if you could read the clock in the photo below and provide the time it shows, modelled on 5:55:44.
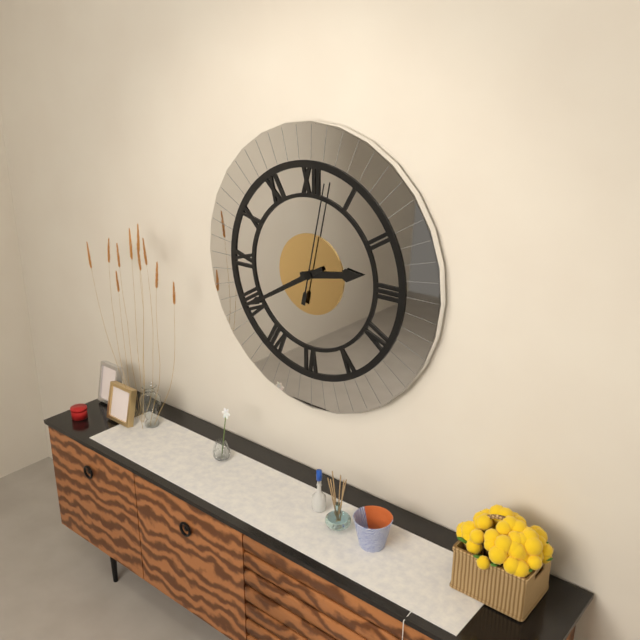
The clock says 2:40:02
